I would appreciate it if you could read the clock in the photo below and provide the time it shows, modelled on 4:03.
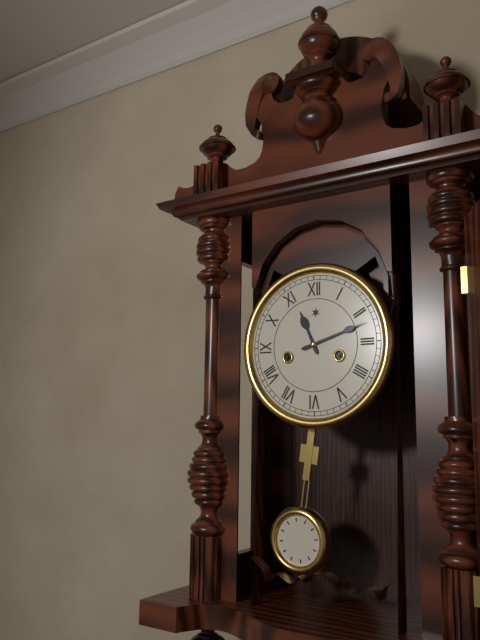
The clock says 11:12
